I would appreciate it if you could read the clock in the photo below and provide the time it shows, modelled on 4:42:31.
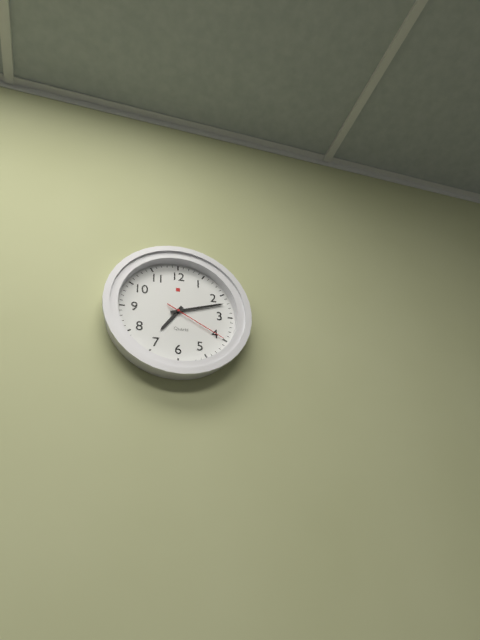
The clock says 7:12:20
